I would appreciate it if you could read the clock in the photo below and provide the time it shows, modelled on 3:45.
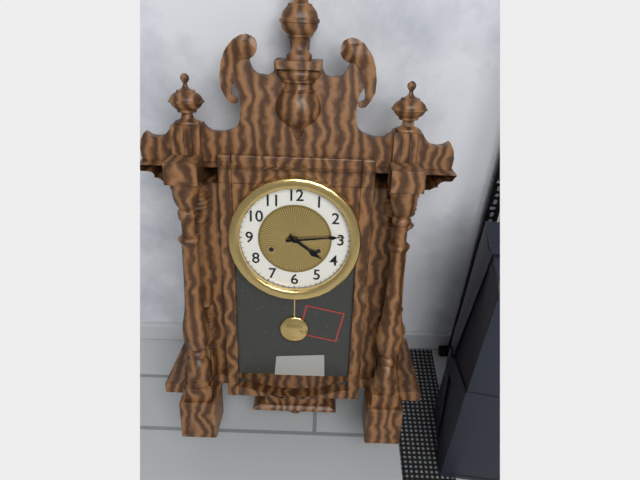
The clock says 4:14
